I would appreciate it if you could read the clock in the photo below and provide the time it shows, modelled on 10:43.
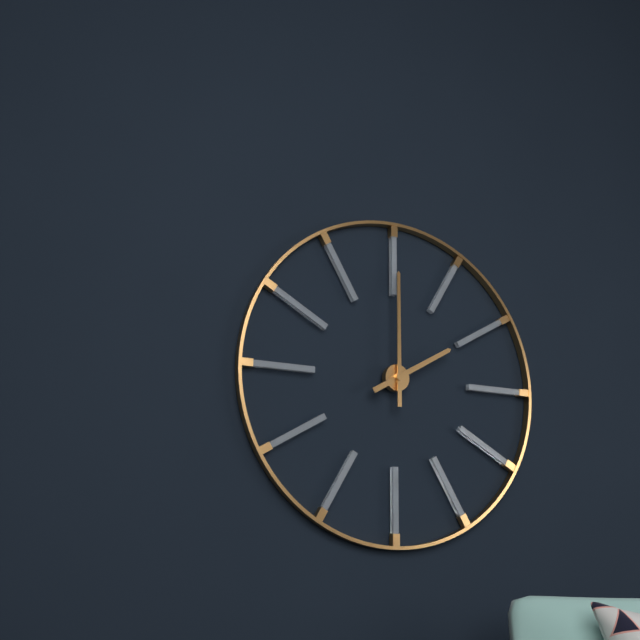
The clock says 2:00
